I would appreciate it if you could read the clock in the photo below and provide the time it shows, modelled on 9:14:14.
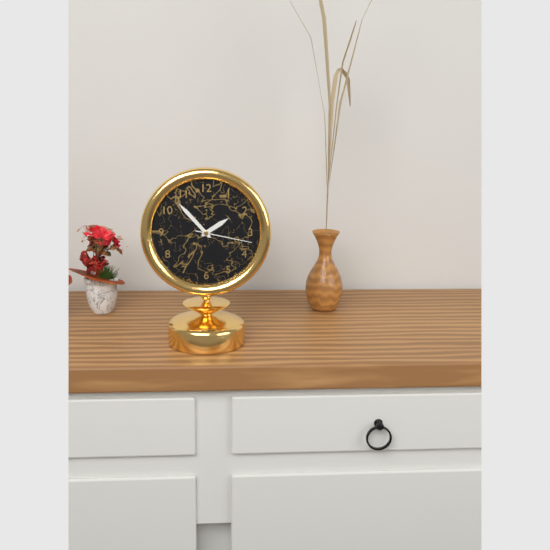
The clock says 1:53:17
